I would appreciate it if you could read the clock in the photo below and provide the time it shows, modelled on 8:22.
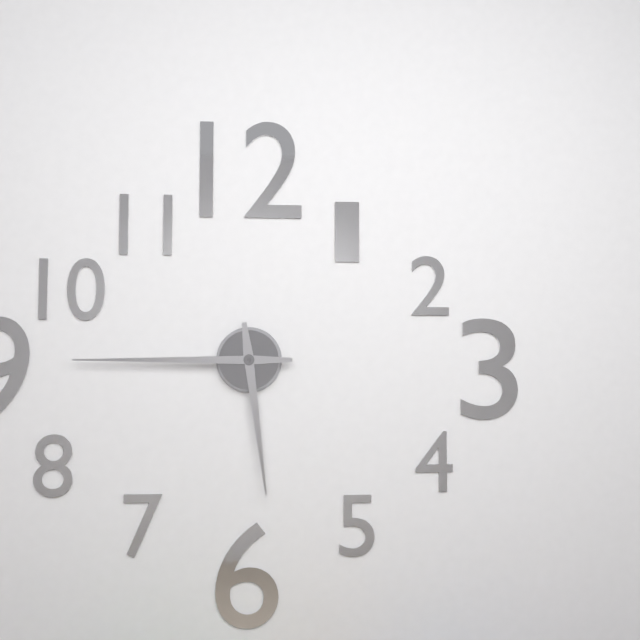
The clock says 5:45
